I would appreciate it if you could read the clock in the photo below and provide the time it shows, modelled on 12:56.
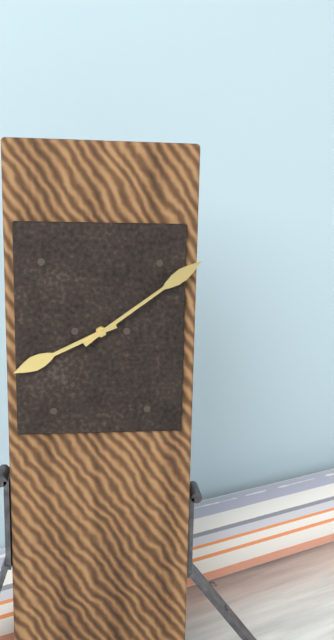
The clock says 8:09
